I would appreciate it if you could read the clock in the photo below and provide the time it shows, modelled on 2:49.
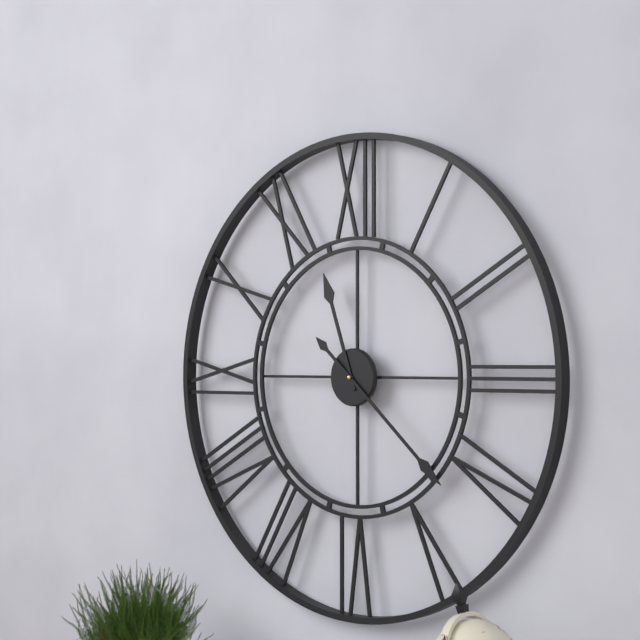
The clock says 11:22
